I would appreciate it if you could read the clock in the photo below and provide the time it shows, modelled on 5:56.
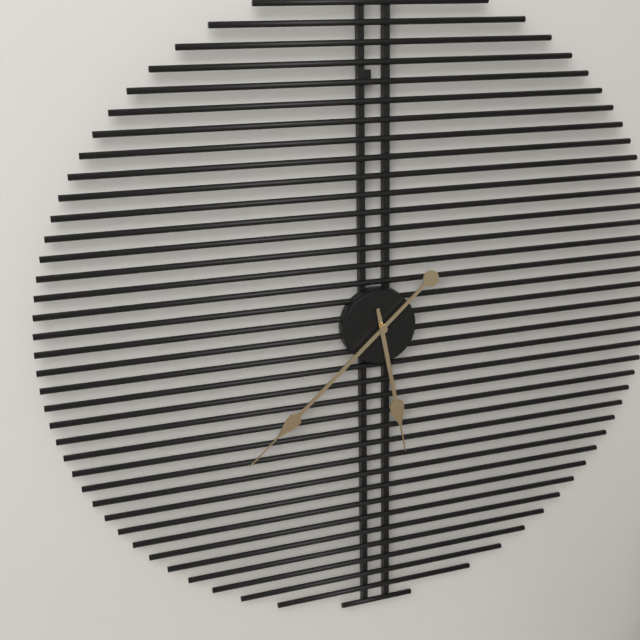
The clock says 5:38
